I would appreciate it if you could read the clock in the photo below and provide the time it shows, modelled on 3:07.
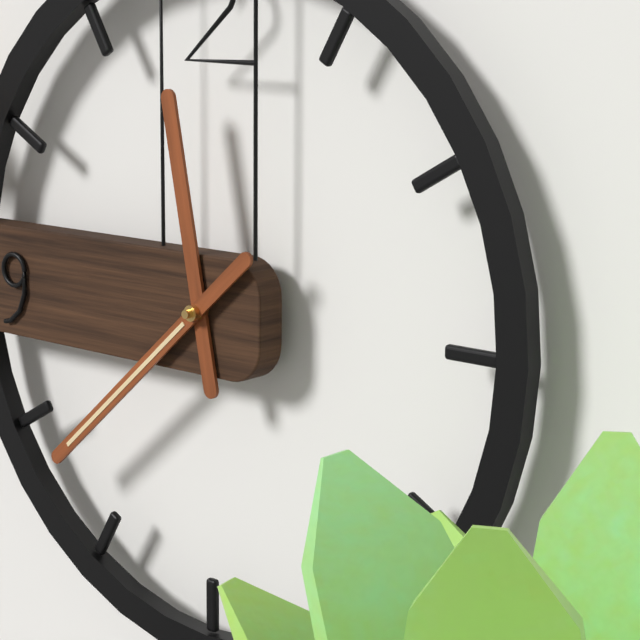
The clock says 11:38
